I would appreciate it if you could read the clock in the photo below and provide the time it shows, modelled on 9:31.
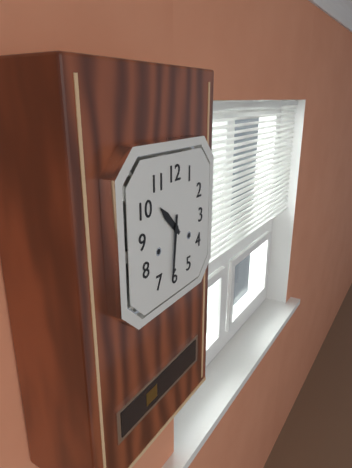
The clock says 10:31
